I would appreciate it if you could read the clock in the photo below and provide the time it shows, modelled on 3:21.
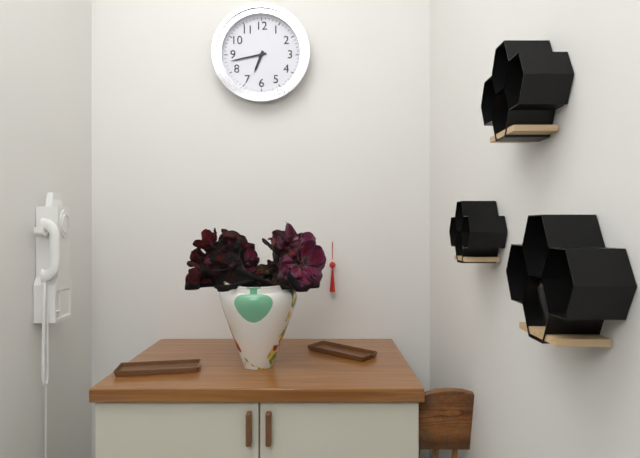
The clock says 6:43
